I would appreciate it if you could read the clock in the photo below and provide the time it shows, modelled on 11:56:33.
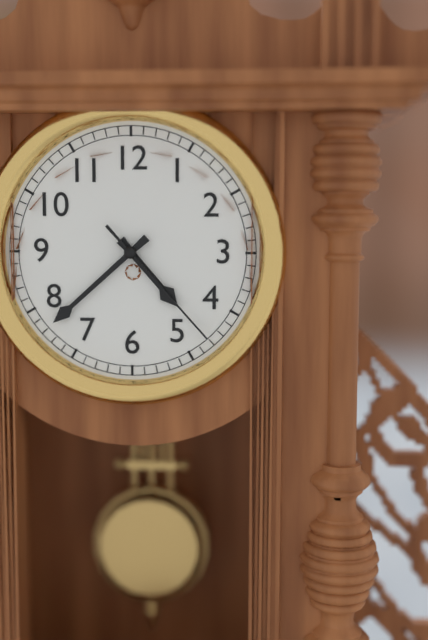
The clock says 4:38:23
